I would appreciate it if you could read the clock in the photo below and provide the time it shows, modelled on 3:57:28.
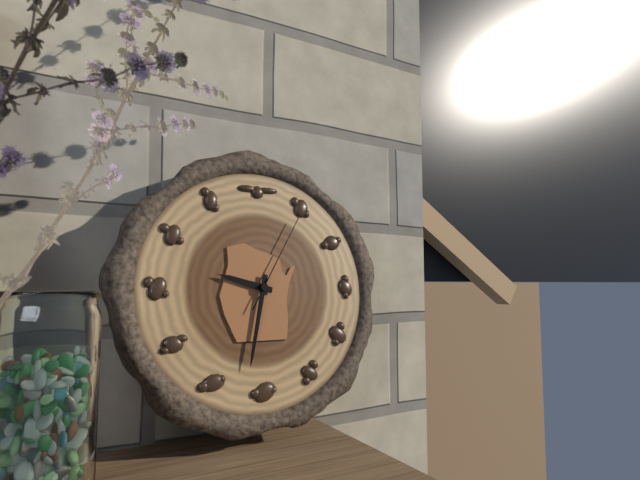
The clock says 9:32:05
